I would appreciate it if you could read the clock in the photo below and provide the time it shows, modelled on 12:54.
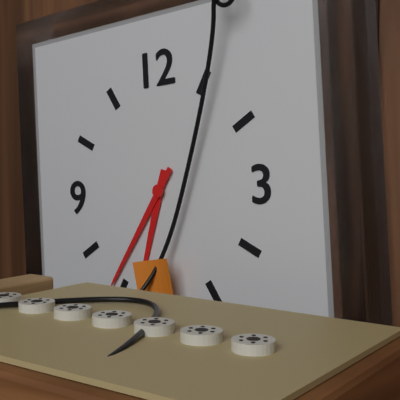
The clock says 6:36
